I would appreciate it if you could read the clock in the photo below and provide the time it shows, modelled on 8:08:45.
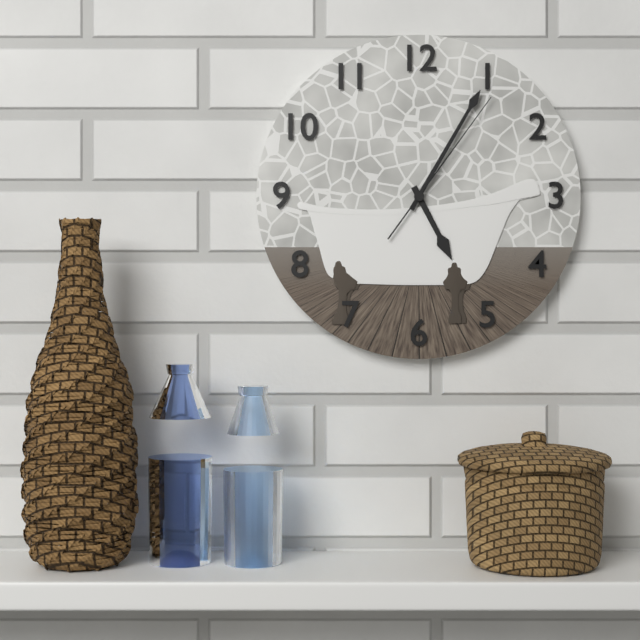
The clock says 5:05:06
